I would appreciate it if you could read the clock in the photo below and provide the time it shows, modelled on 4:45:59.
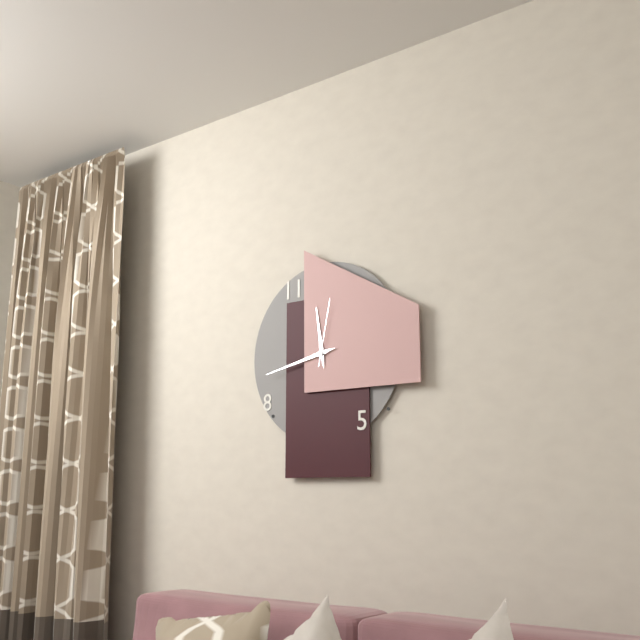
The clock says 11:43:02
